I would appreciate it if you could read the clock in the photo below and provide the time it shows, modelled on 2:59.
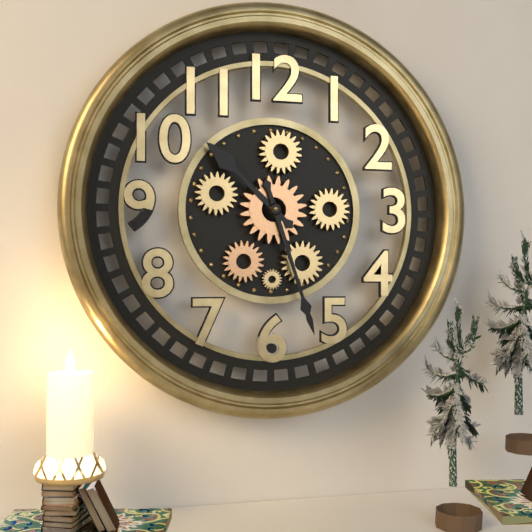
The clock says 10:27
